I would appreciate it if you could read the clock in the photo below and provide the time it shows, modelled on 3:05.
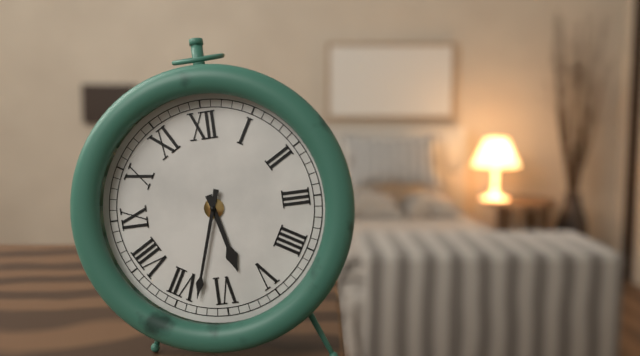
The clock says 5:33
